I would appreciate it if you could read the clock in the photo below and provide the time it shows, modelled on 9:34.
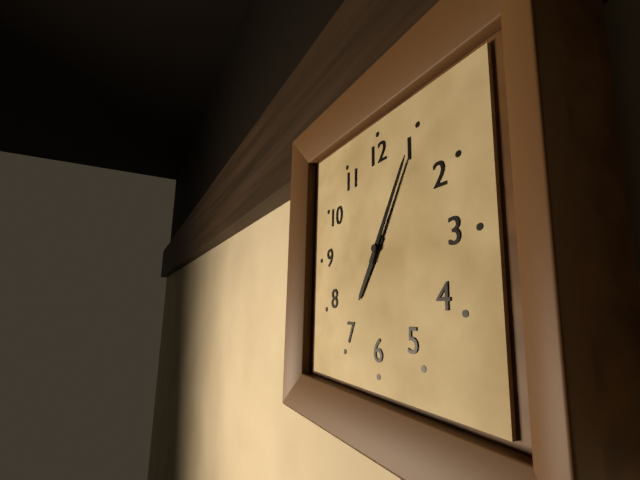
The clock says 7:05
